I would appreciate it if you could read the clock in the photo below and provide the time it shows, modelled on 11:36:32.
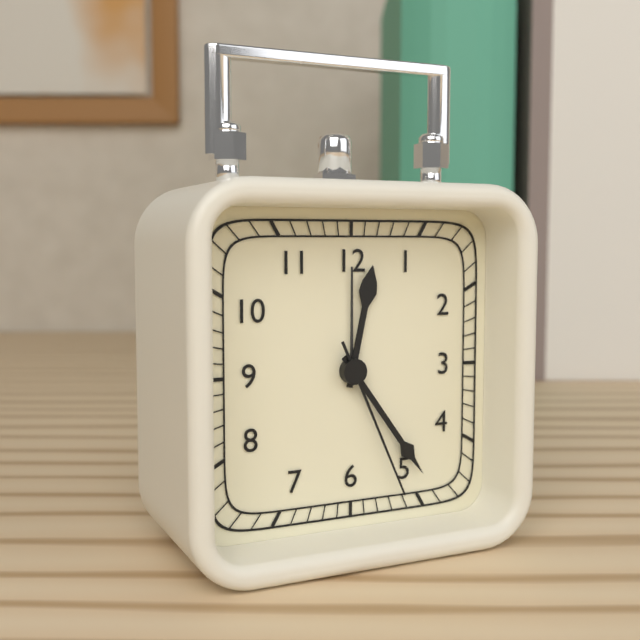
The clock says 12:24:26
